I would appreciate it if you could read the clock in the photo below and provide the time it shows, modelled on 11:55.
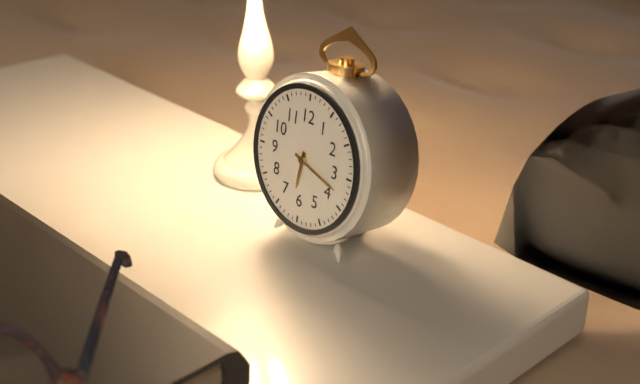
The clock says 6:18
